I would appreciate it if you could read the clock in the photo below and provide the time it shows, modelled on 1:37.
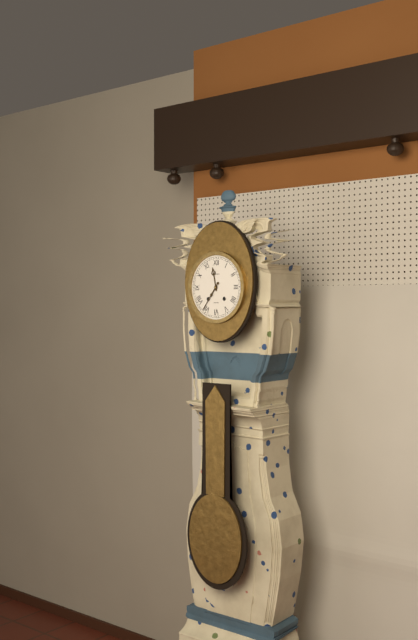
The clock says 11:36
